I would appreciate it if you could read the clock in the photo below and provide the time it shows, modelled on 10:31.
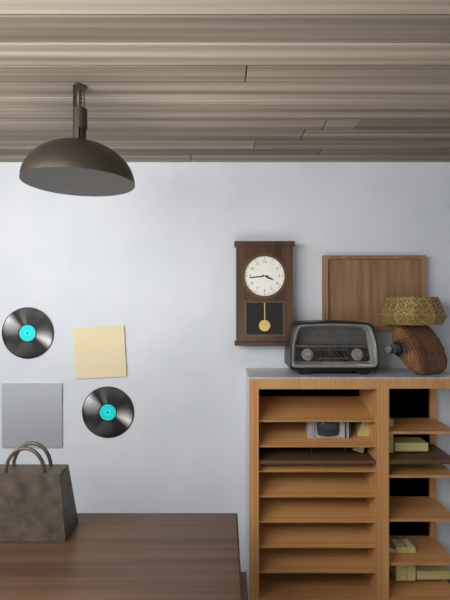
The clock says 3:44
